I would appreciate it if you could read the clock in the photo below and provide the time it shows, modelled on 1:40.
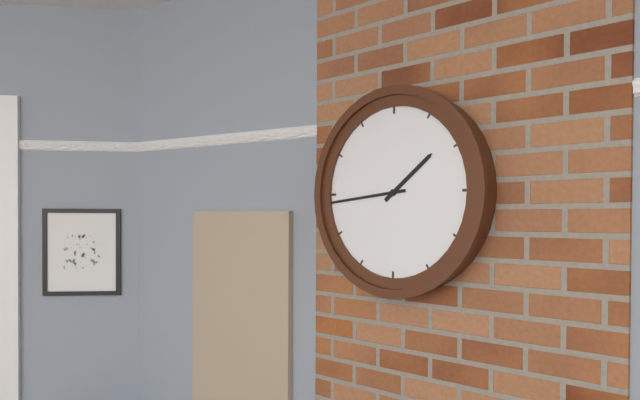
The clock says 1:44
